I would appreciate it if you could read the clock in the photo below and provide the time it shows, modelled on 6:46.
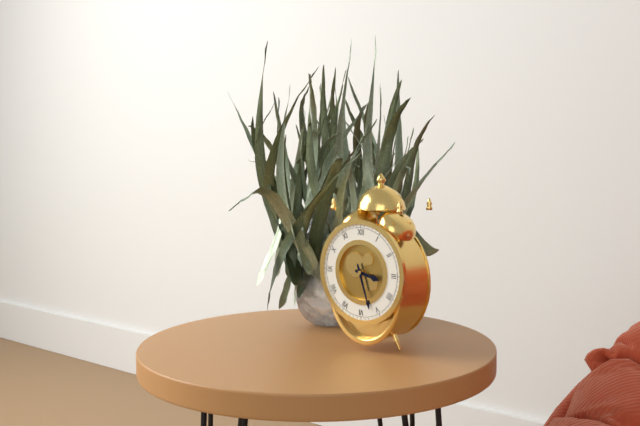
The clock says 3:27
